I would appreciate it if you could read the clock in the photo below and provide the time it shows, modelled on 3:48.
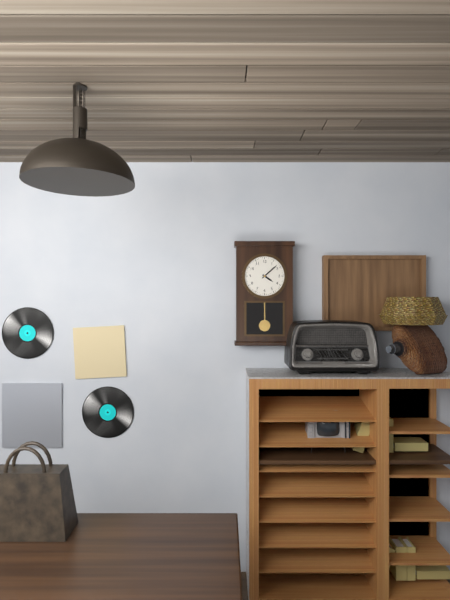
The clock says 4:08
